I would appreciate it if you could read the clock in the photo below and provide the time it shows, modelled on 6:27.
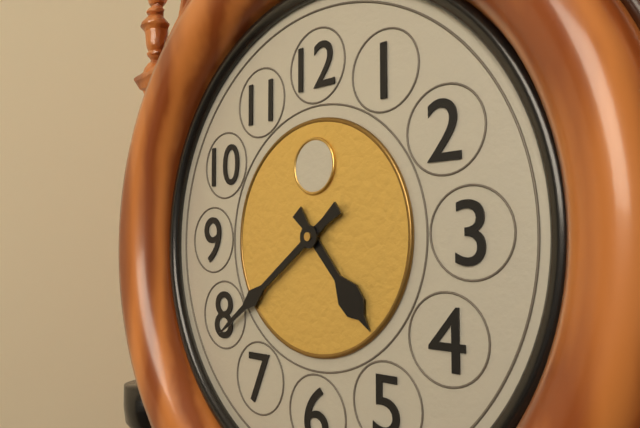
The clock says 4:39
